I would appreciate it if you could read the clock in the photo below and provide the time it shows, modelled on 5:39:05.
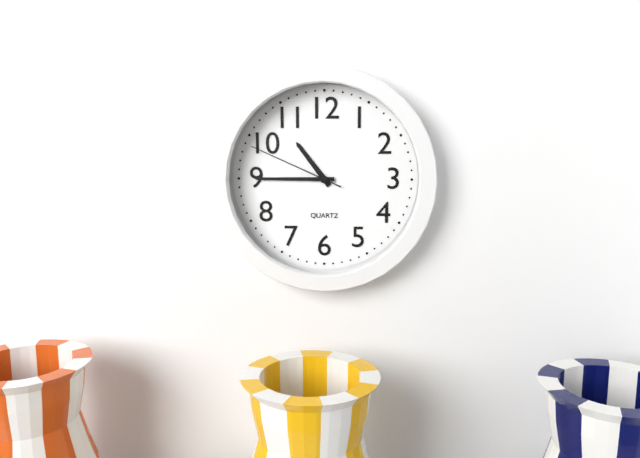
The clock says 10:45:49
